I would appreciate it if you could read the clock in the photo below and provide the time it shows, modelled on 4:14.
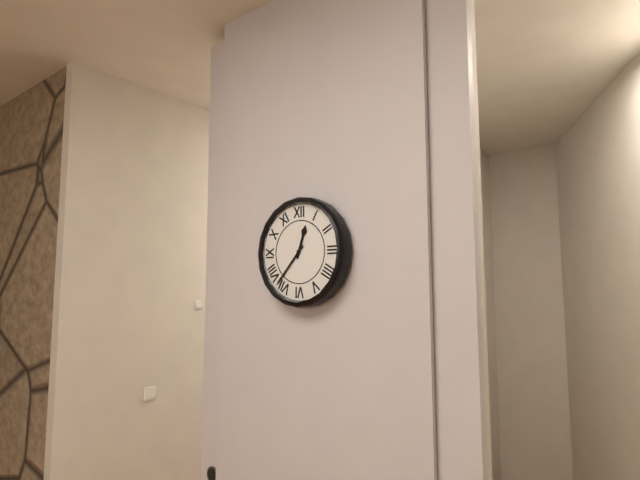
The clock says 12:37
